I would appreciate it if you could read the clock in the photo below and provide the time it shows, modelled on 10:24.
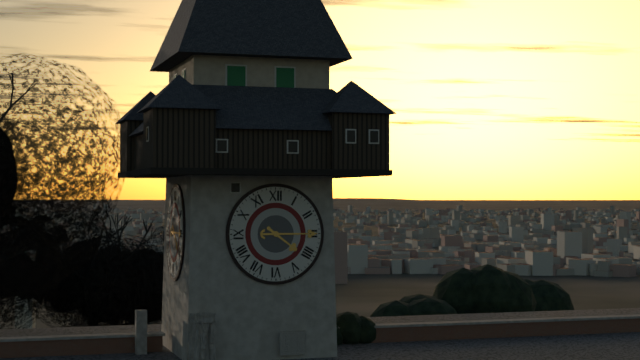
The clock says 4:15
